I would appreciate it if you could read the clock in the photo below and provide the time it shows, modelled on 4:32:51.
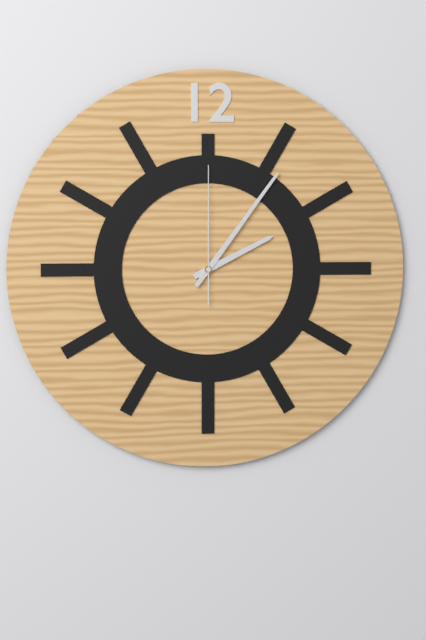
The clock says 2:06:00
